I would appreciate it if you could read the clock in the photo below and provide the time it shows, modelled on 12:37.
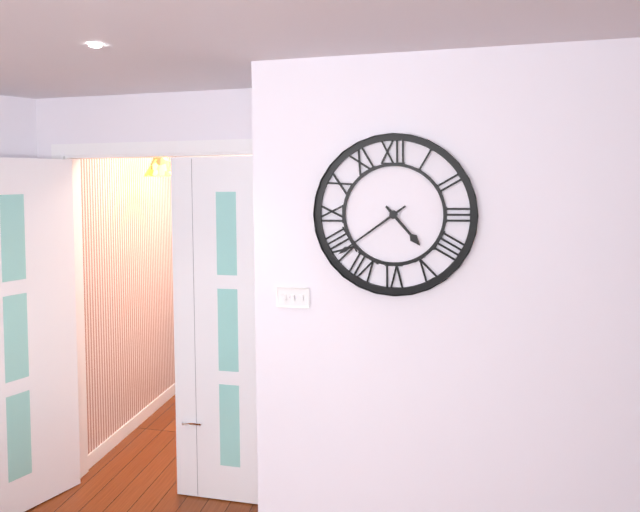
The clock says 4:39
